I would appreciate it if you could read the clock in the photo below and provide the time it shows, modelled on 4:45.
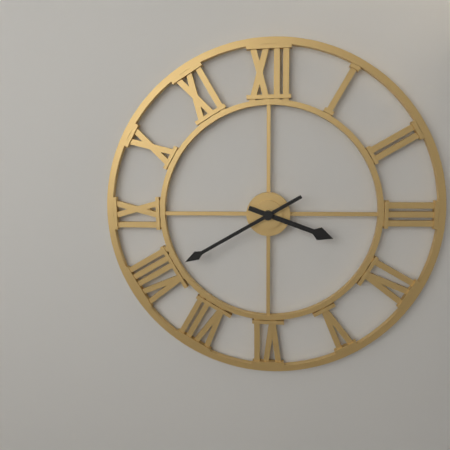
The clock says 3:40
